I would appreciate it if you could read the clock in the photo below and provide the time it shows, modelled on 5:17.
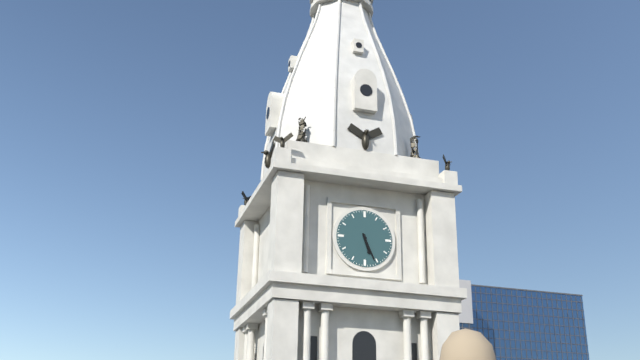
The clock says 5:26
